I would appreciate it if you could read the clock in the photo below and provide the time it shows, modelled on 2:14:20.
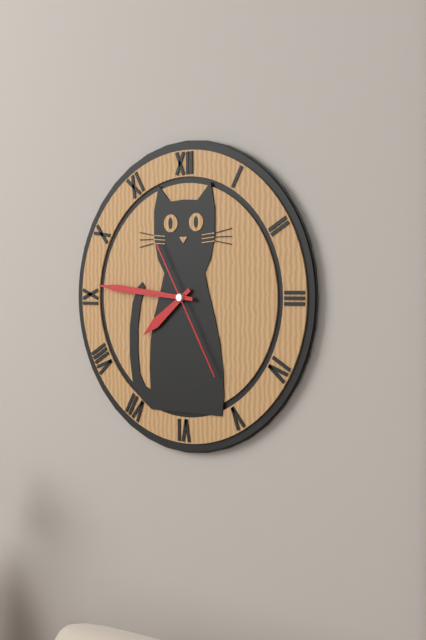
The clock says 7:46:25
